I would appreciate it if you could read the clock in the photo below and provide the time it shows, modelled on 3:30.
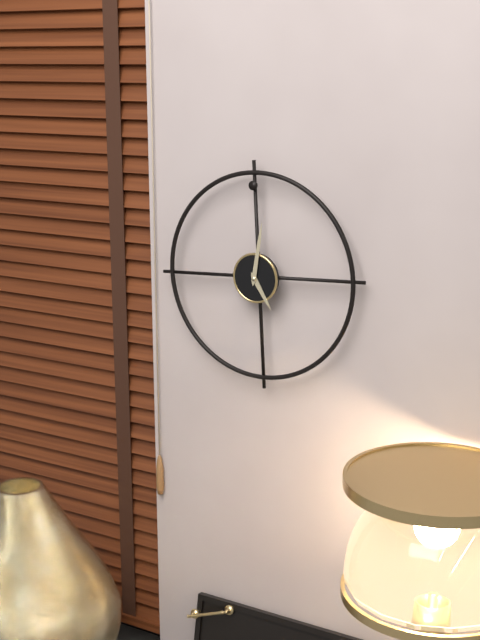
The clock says 5:02
